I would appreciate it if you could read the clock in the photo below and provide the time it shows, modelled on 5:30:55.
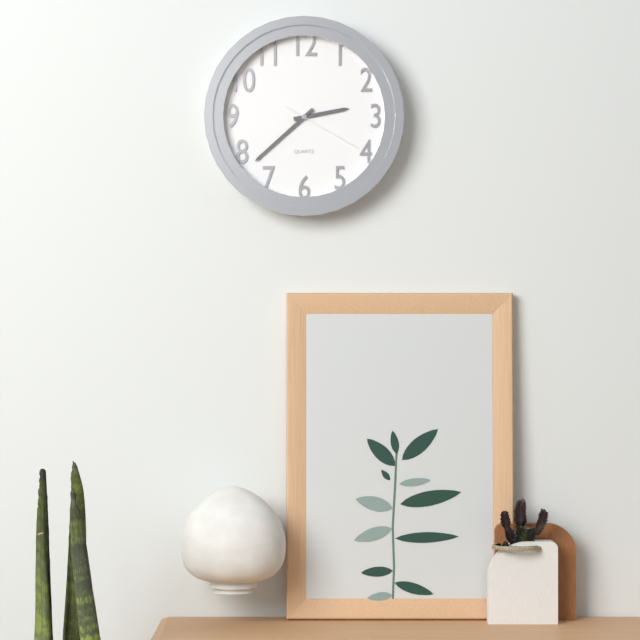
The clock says 2:38:20
